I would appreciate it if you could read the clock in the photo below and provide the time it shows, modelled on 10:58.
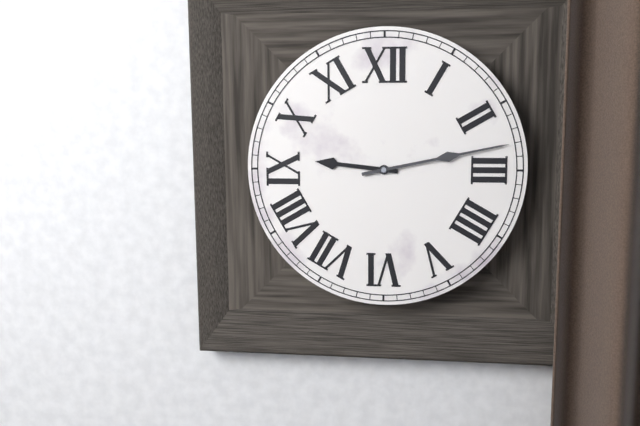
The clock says 9:13
